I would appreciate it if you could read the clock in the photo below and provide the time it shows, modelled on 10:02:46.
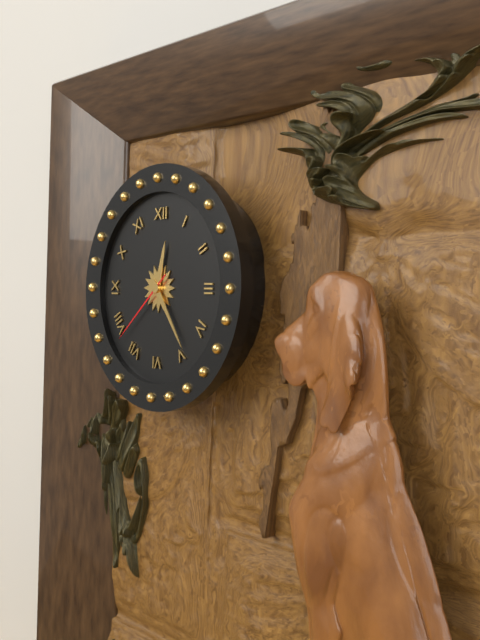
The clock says 12:24:38
